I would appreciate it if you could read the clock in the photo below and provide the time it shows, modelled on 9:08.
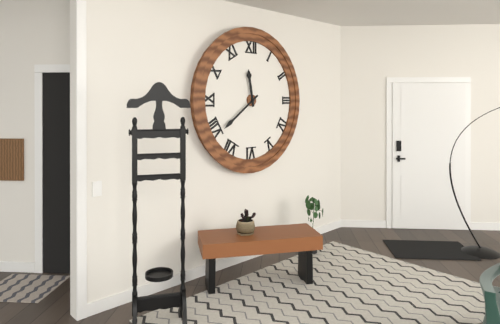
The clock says 11:39
